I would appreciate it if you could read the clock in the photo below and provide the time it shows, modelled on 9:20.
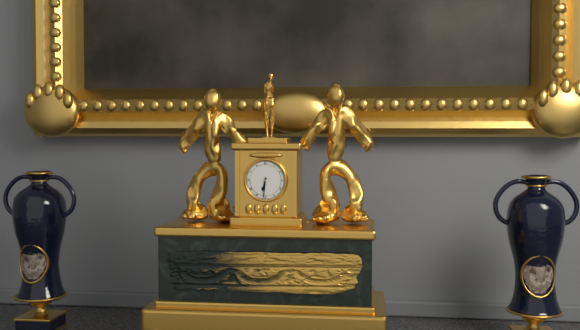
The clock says 6:31
